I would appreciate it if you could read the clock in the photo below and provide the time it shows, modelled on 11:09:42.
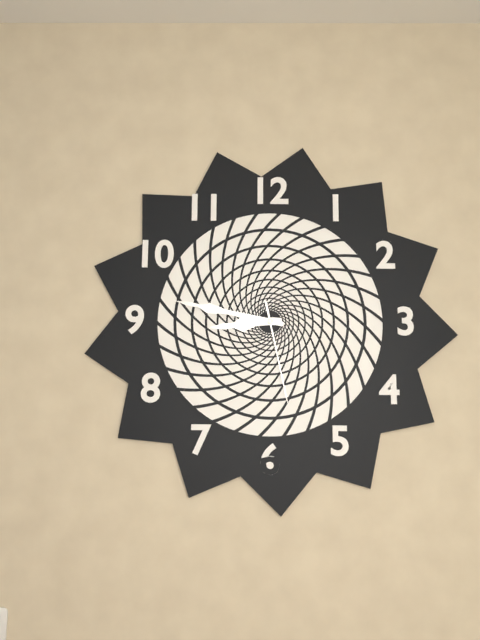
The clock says 8:47:28
